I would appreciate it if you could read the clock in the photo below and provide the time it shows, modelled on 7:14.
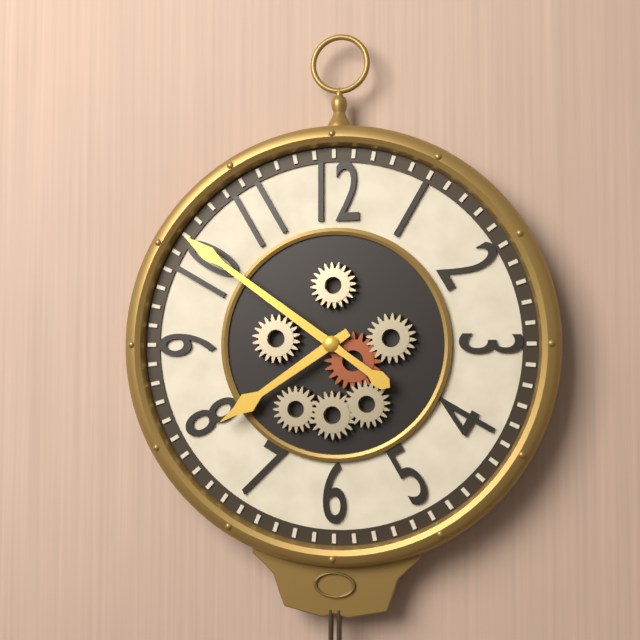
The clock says 7:51
